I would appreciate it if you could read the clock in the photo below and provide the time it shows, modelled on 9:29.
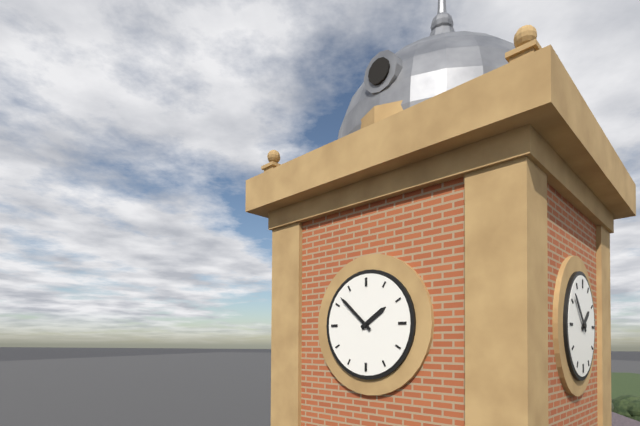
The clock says 1:52
